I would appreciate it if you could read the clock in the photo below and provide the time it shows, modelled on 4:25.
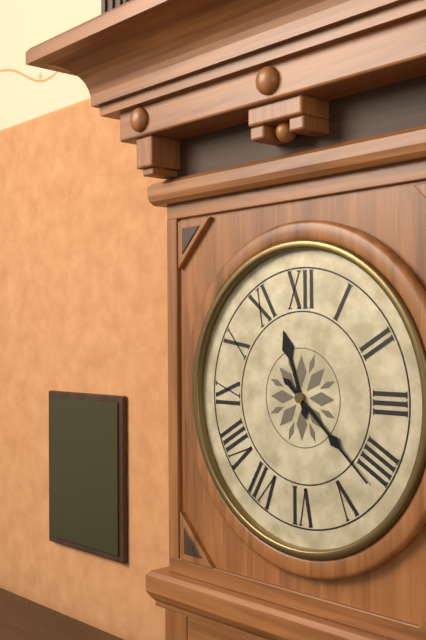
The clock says 11:22
